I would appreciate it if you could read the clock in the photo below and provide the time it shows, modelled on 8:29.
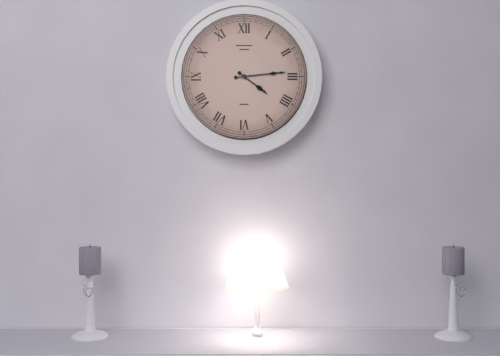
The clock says 4:14
